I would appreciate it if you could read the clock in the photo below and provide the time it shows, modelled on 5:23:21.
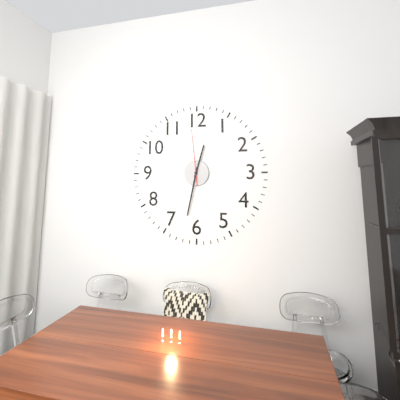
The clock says 12:32:59
